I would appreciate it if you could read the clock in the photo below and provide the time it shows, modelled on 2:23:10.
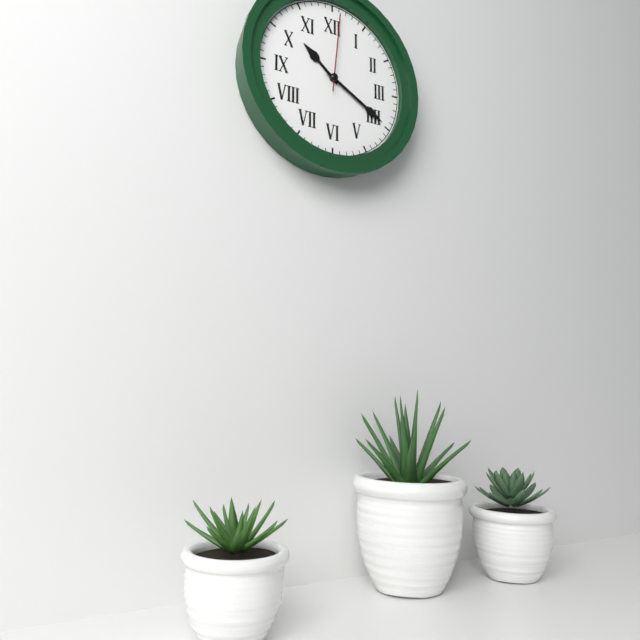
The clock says 10:20:01
